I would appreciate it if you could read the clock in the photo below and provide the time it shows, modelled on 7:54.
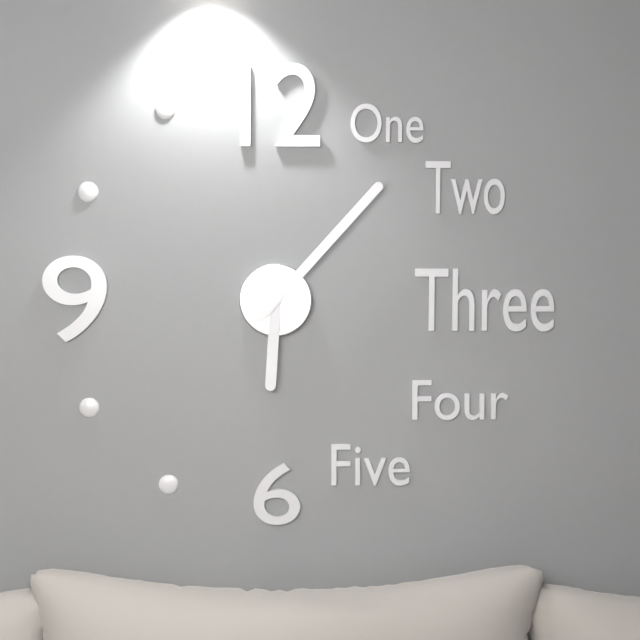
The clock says 6:07
